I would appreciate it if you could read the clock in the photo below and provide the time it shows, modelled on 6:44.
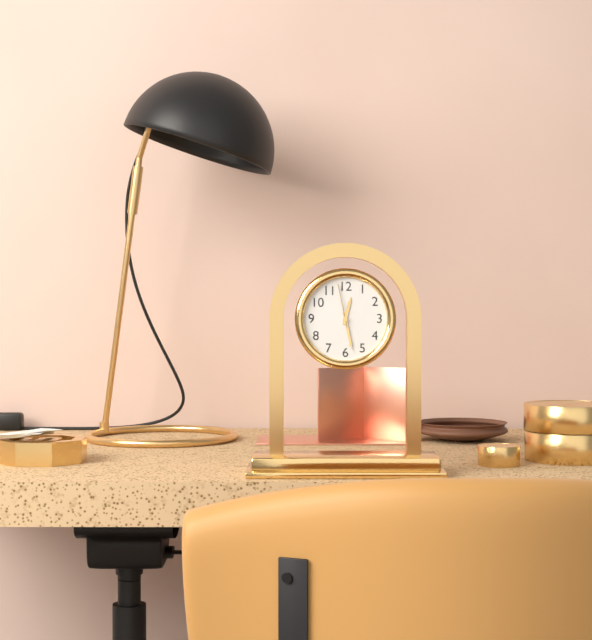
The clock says 12:28
